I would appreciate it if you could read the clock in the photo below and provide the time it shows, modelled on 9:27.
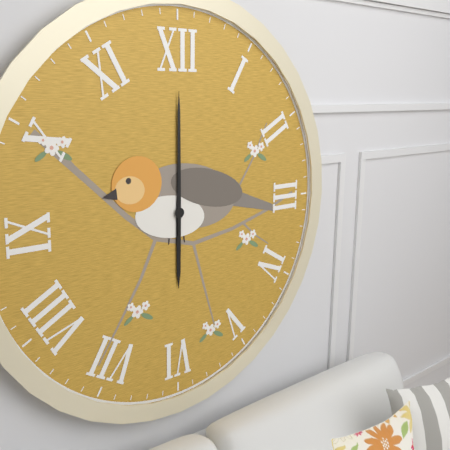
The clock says 6:00
